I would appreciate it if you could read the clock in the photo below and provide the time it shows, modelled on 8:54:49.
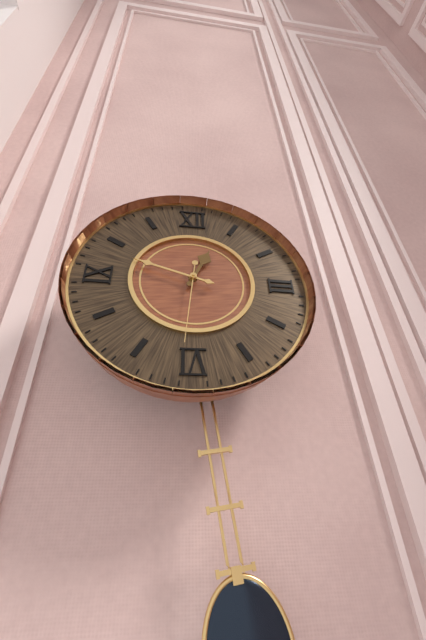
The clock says 12:48:31
